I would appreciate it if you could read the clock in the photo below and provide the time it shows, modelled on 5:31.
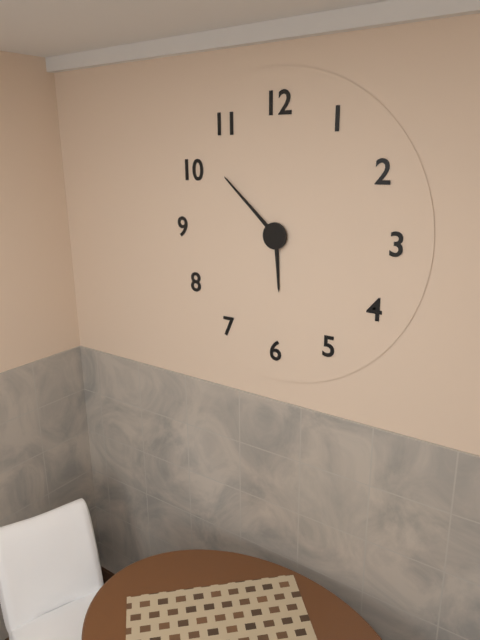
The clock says 5:52
